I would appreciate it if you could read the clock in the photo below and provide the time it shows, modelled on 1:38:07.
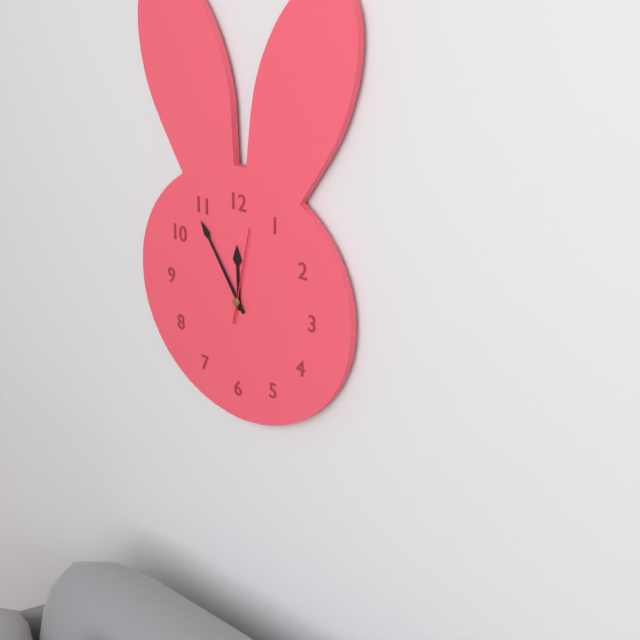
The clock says 11:54:02
